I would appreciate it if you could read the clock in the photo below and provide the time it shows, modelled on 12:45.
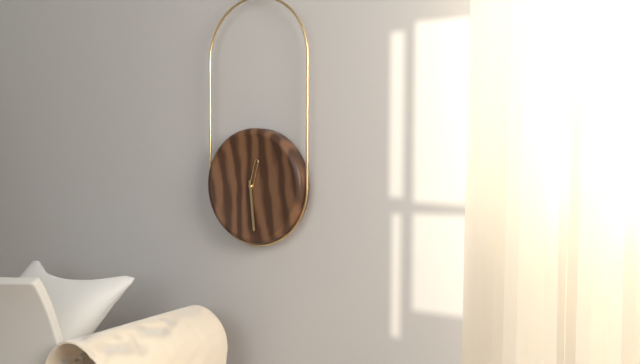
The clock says 12:29
